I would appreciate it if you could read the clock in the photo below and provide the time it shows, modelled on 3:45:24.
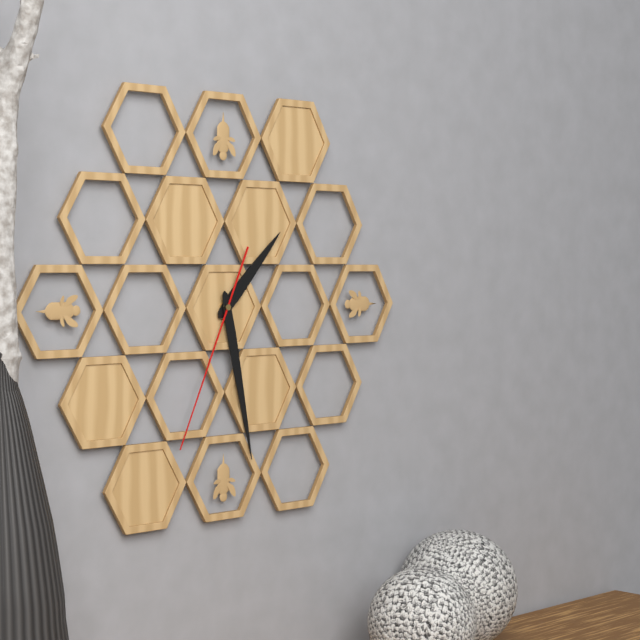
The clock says 1:28:34
